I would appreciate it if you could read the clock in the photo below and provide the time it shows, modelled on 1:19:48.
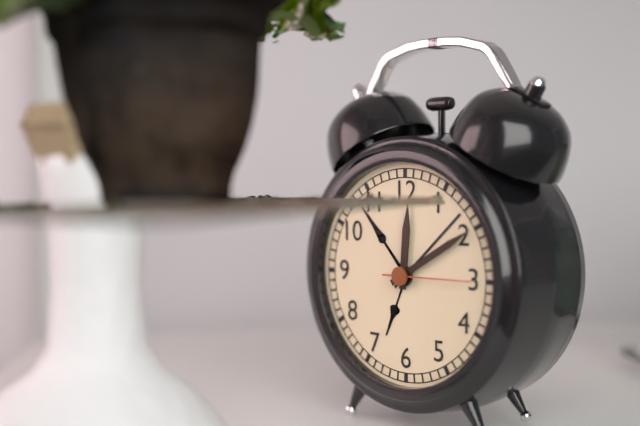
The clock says 12:10:15
